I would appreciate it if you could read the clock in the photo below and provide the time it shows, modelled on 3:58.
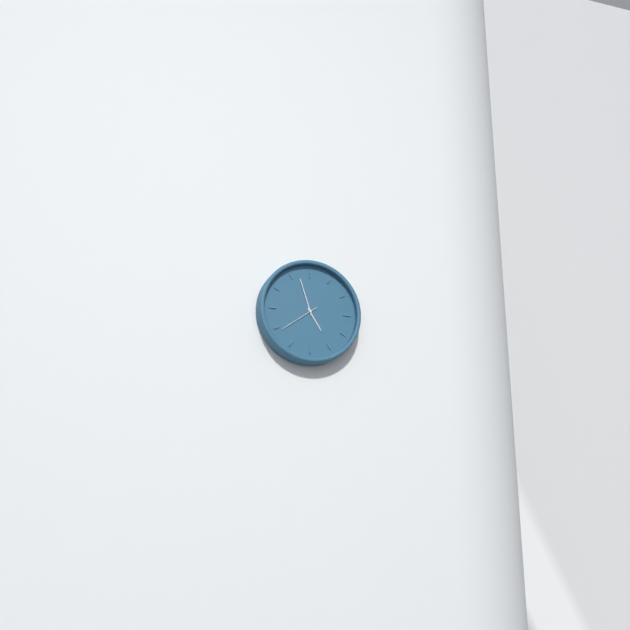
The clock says 4:57
